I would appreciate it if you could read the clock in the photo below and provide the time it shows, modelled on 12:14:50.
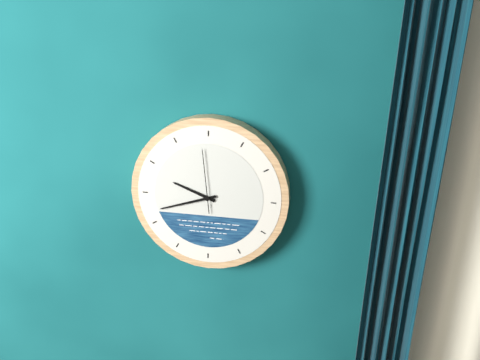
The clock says 9:42:59
